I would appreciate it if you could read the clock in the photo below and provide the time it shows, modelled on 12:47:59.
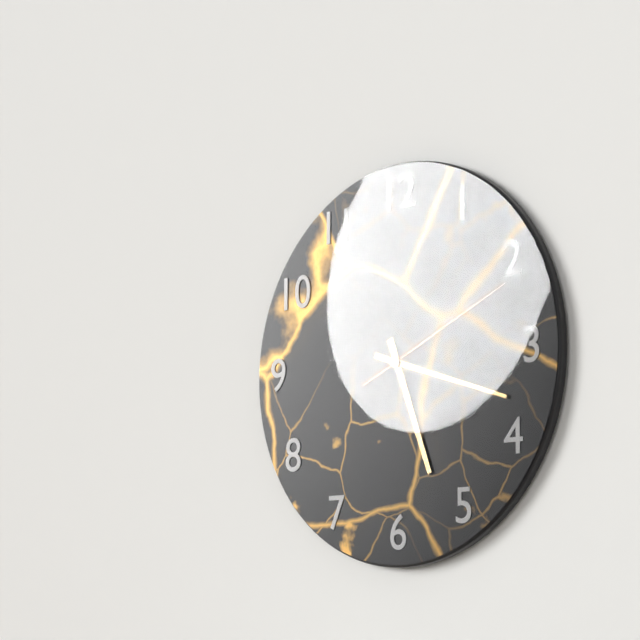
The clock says 5:18:11
